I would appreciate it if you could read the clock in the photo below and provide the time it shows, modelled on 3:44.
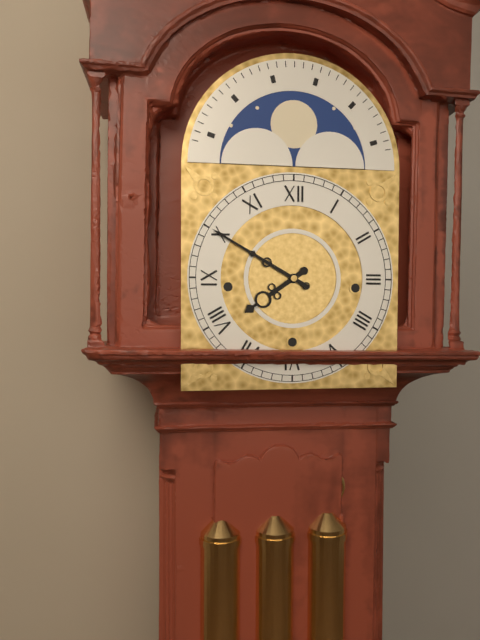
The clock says 7:50
